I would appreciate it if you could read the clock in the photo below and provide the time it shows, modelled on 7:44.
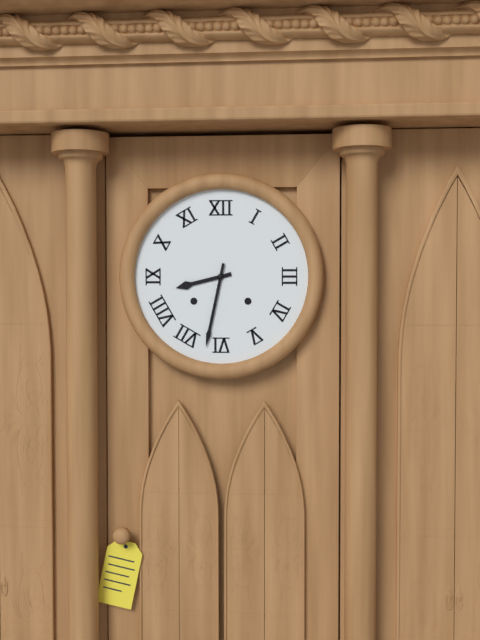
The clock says 8:32
